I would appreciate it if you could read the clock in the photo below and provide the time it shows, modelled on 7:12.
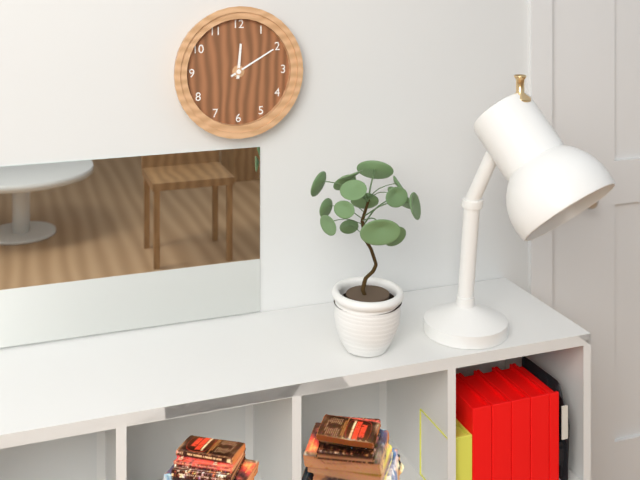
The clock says 12:10
